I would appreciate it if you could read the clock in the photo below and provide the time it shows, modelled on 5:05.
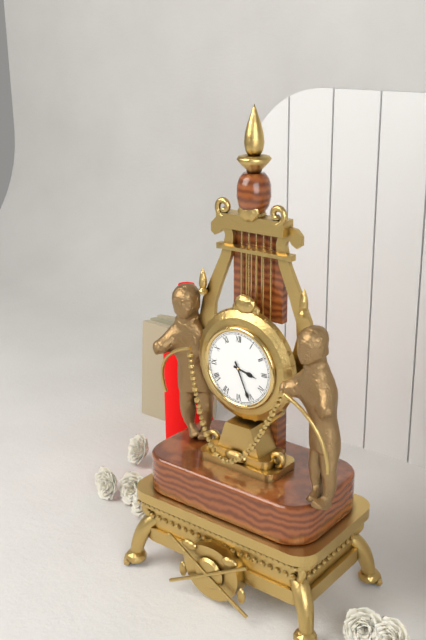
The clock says 3:26
